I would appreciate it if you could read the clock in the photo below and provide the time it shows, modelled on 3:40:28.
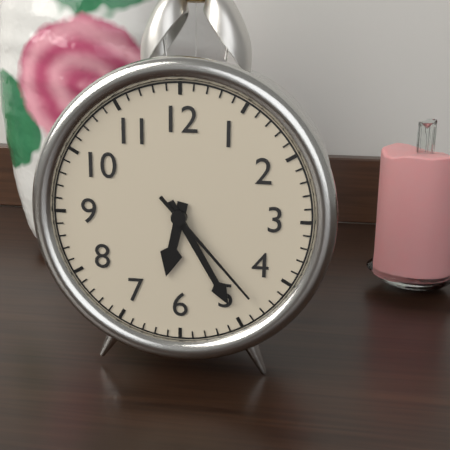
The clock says 6:25:23
